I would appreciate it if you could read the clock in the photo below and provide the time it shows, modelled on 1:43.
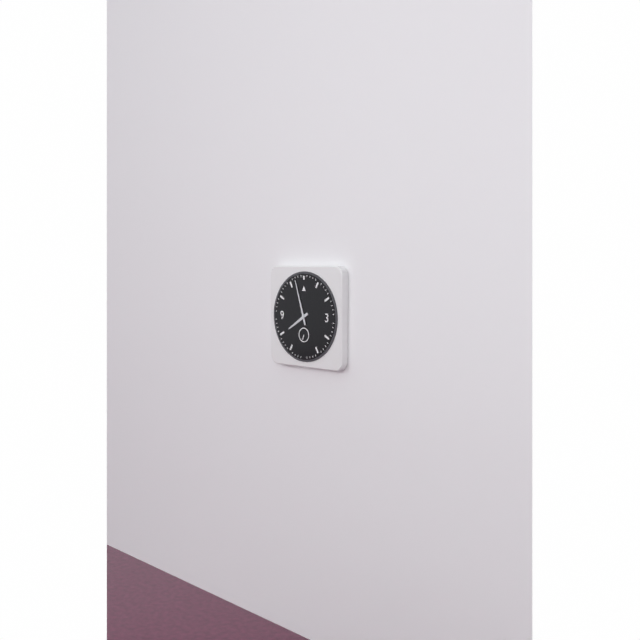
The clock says 7:57
